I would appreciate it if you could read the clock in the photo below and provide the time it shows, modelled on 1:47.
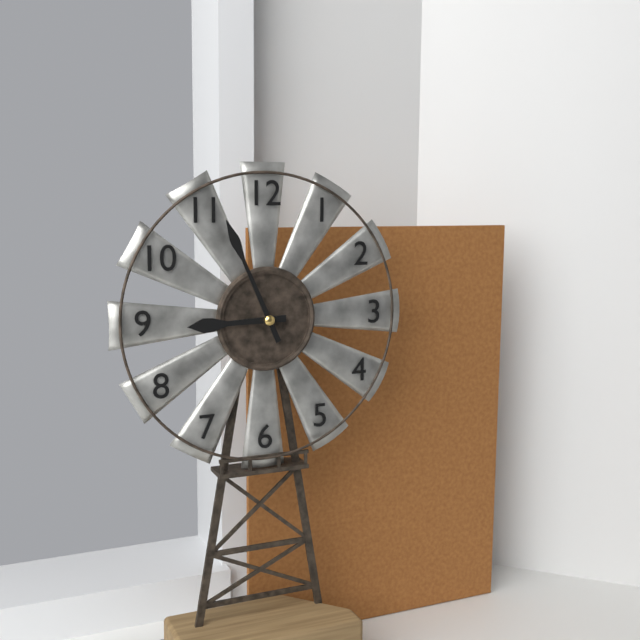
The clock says 8:56
